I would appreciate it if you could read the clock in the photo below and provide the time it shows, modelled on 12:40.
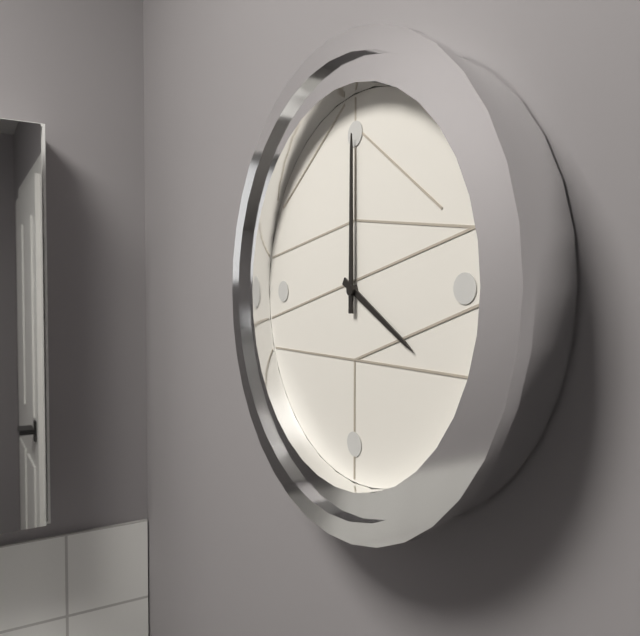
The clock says 4:00
